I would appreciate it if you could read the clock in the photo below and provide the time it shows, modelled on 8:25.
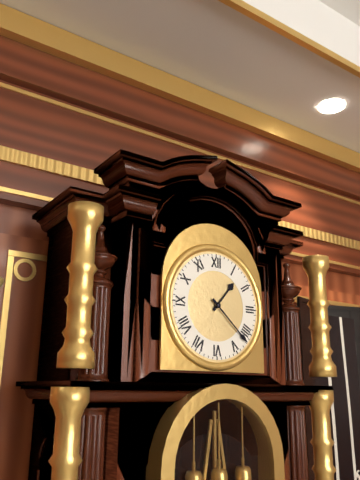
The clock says 1:22
